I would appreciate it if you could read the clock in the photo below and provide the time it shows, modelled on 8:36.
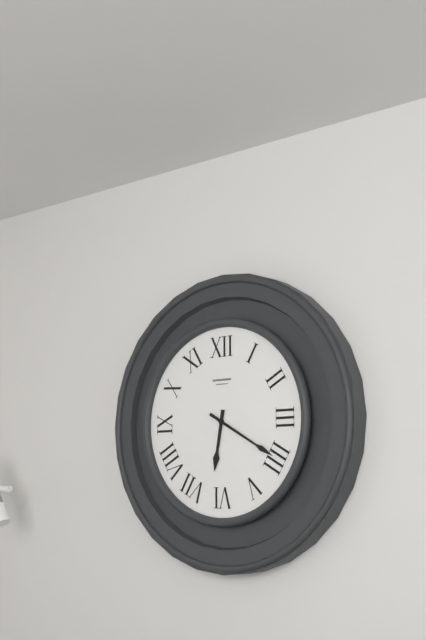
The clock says 6:20
